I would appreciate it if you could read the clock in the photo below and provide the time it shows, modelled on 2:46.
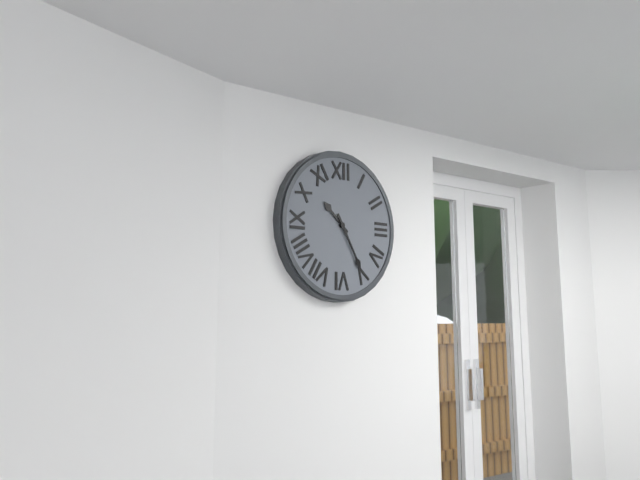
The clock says 10:25
